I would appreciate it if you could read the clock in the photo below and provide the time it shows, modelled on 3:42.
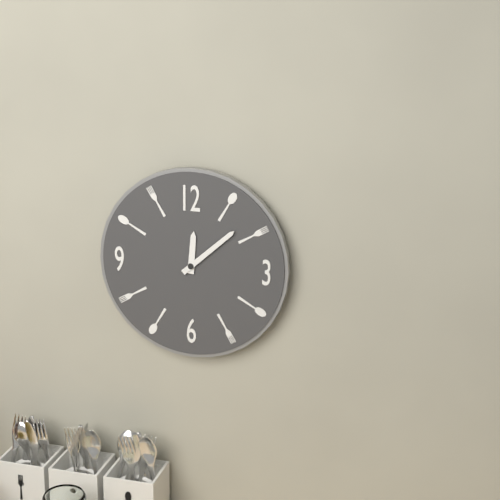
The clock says 12:08
